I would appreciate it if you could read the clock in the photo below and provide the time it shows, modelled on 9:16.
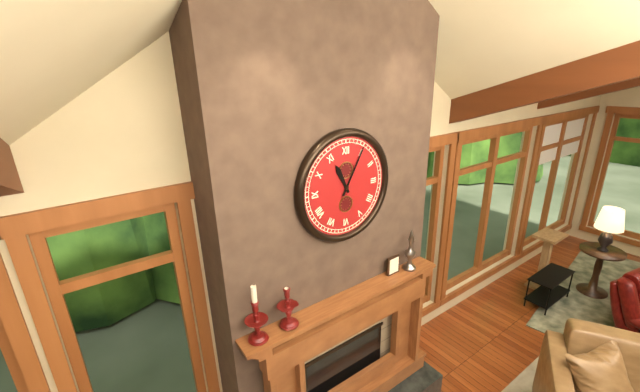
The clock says 11:05
